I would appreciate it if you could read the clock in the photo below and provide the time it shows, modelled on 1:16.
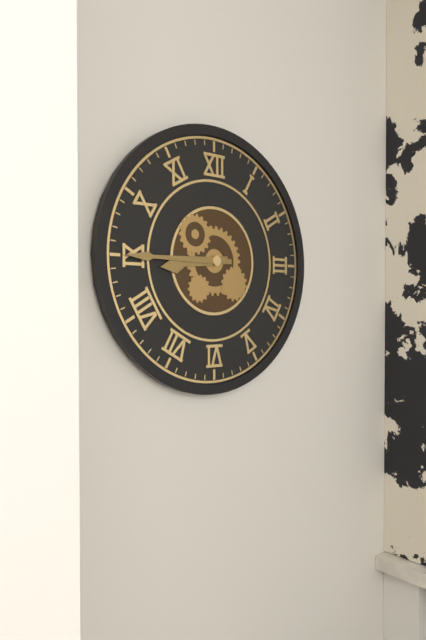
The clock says 8:45
